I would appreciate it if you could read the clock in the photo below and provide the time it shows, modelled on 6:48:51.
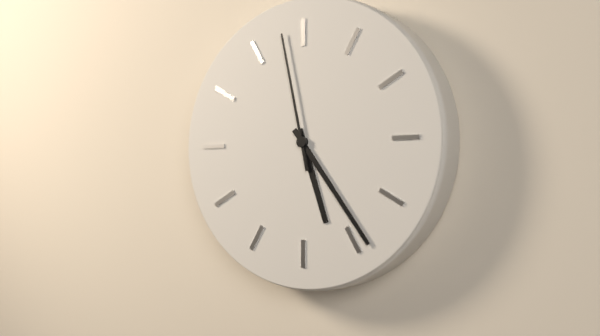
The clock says 5:24:58
